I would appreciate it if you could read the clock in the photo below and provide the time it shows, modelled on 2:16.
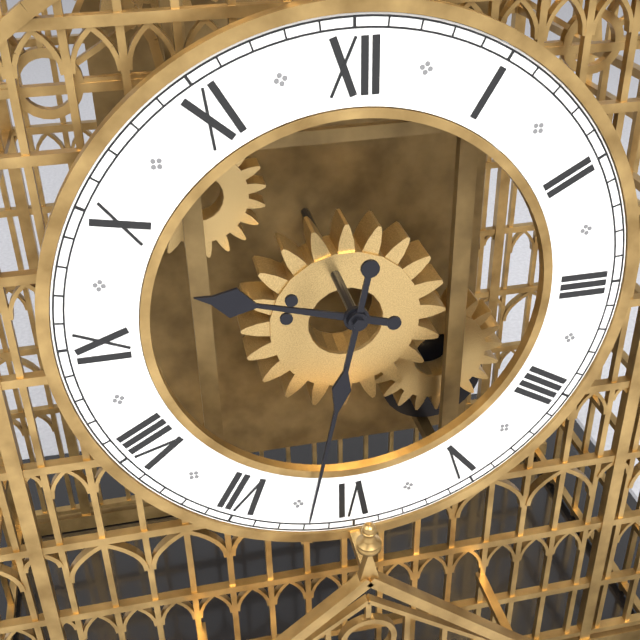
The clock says 9:32
